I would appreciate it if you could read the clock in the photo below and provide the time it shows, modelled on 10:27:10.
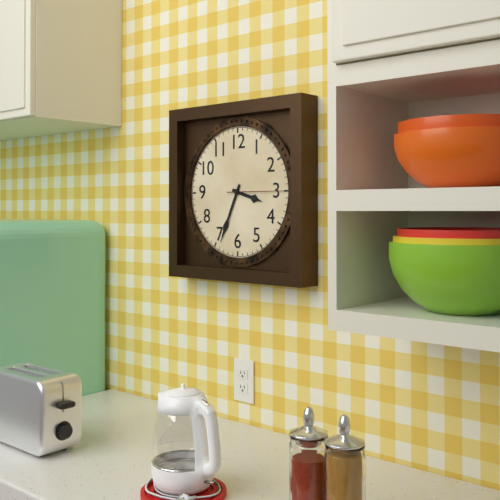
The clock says 3:34:15
